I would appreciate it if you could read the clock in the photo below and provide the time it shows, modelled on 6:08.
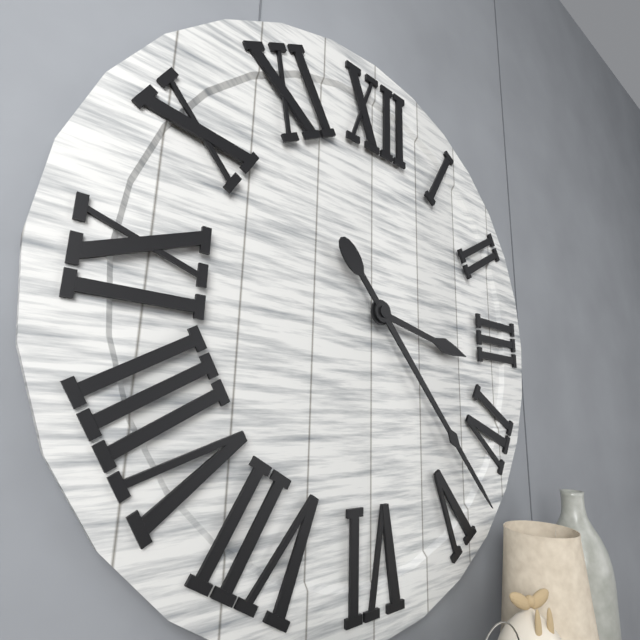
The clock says 3:23
